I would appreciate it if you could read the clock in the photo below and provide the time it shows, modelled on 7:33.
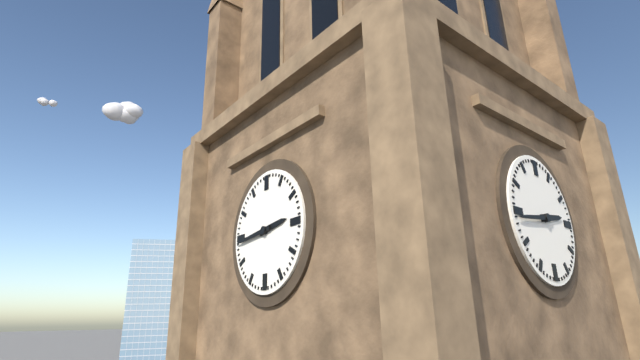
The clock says 2:44
